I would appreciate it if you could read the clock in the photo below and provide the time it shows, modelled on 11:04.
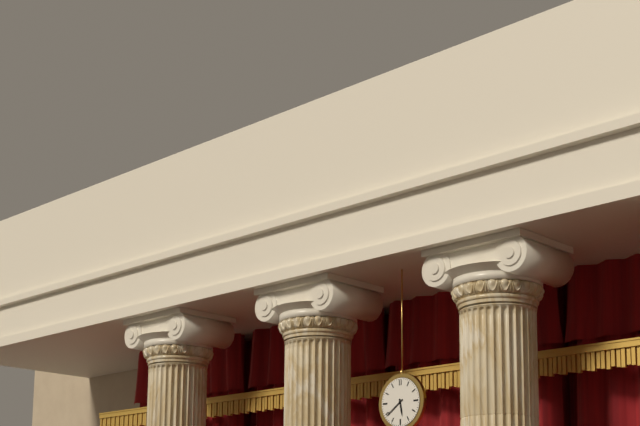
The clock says 5:39
